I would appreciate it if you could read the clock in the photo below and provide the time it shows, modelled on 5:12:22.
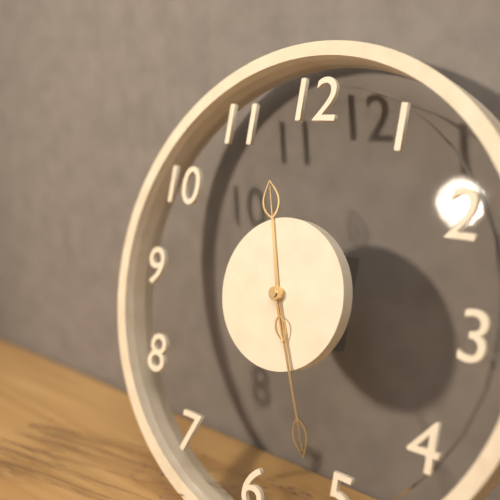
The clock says 11:26:26
